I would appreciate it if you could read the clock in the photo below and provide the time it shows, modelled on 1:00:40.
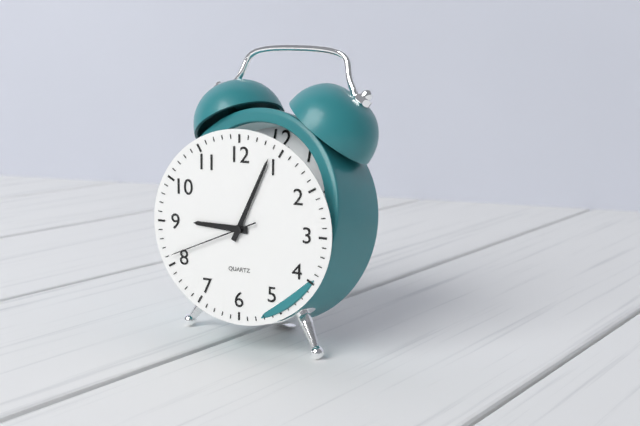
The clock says 9:04:41
